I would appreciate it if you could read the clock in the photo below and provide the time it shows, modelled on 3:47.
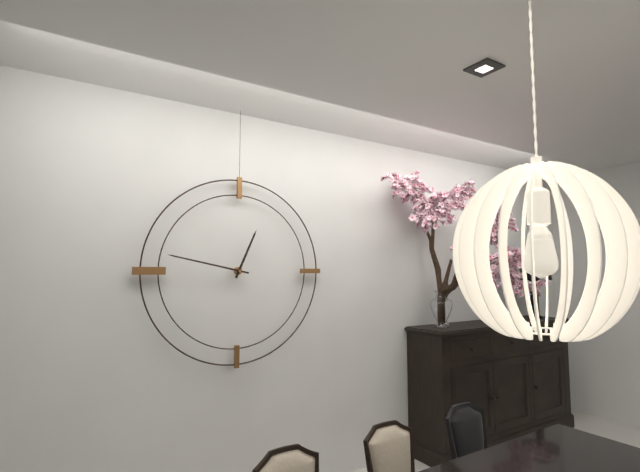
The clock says 12:47
